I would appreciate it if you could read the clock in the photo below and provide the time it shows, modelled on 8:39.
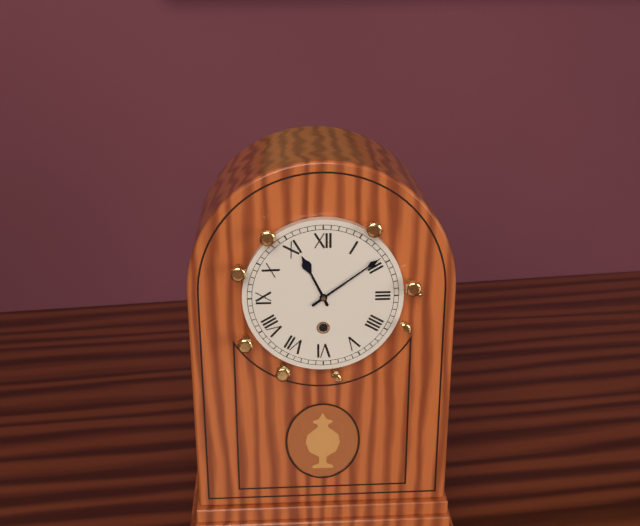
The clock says 11:09
